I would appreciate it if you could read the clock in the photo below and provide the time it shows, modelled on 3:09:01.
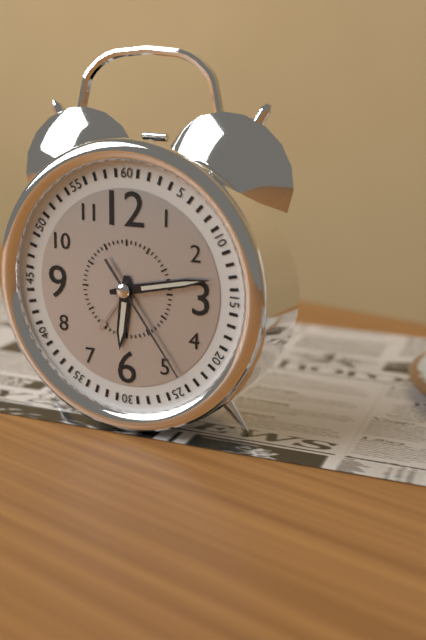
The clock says 6:13:24
